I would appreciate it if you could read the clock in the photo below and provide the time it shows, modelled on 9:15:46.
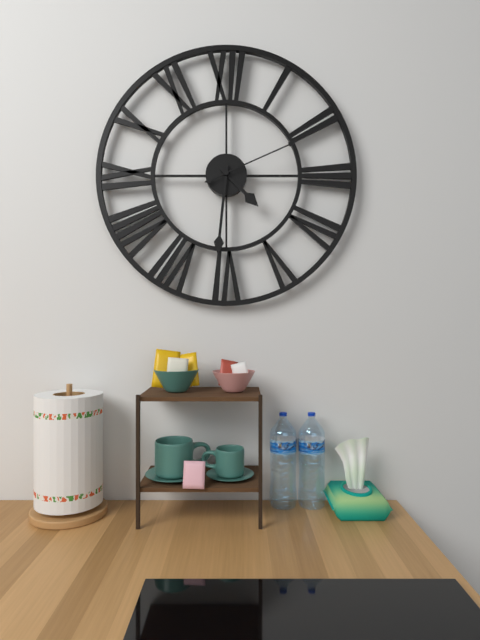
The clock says 4:31:11
